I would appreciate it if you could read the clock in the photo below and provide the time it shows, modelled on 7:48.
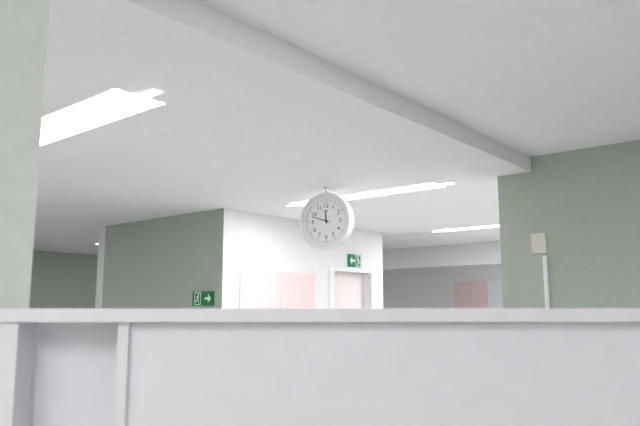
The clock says 11:48
